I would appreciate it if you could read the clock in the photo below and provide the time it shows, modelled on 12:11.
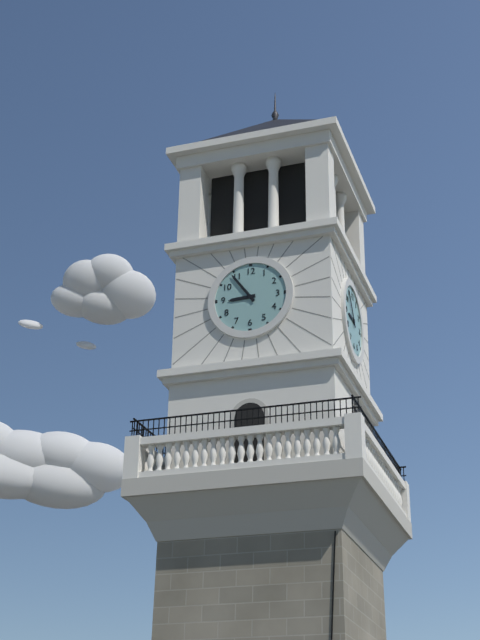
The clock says 8:54
